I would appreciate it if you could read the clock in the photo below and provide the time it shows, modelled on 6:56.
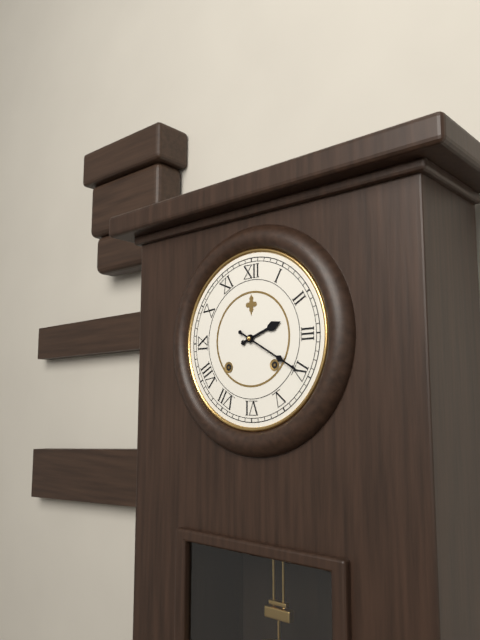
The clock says 2:20
